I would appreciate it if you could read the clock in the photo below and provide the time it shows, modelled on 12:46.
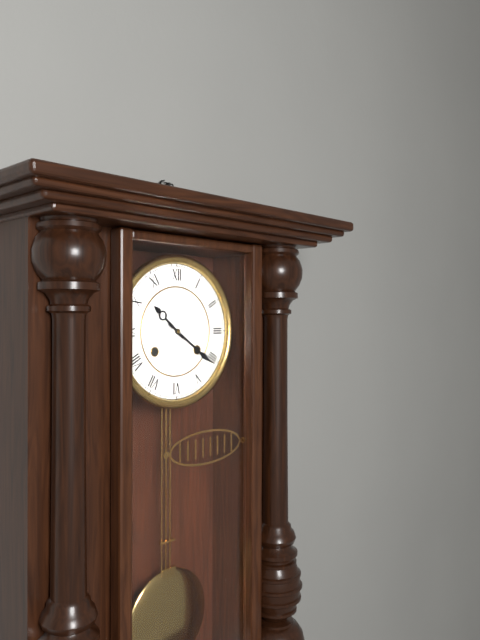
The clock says 10:21
